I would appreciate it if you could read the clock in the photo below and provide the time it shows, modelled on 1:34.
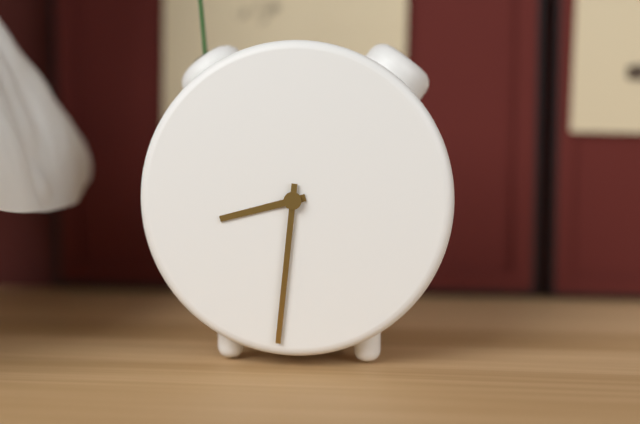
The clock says 8:31
